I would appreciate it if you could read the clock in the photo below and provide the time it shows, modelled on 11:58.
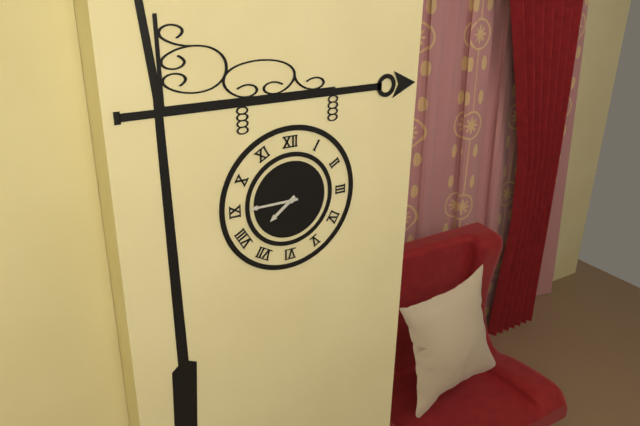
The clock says 7:45
